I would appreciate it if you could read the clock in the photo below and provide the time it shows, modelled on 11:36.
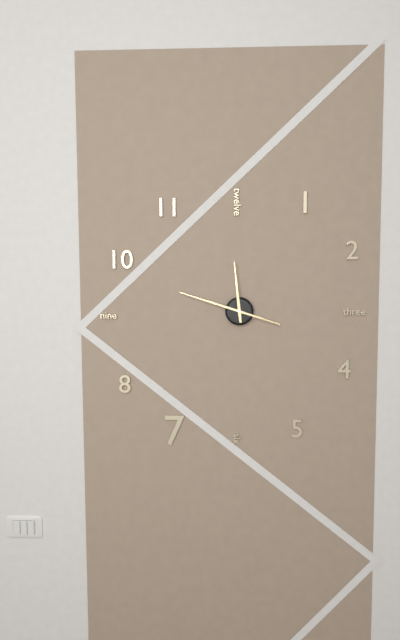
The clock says 11:48
